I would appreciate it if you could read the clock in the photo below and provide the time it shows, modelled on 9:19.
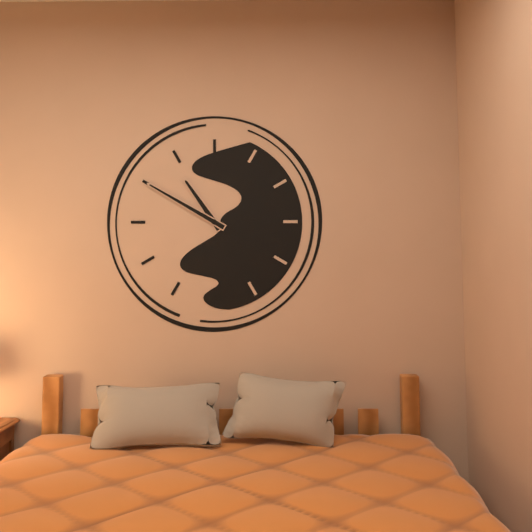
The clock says 10:50
